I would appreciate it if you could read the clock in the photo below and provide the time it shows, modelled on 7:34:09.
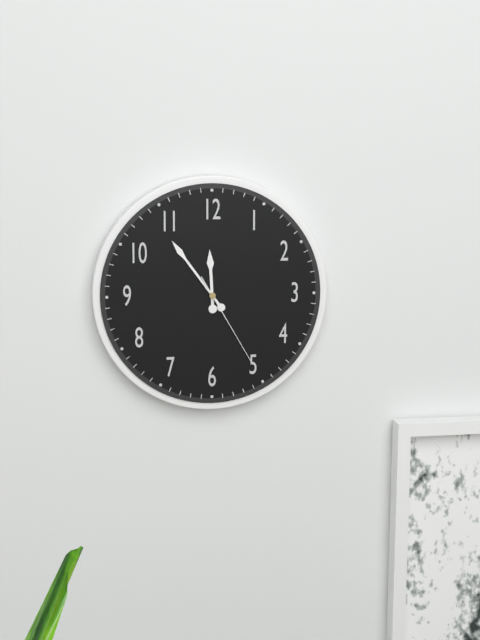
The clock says 11:54:25
